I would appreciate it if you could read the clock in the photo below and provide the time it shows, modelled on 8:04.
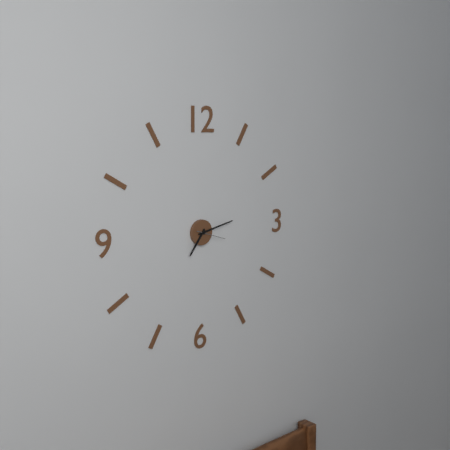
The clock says 7:13
